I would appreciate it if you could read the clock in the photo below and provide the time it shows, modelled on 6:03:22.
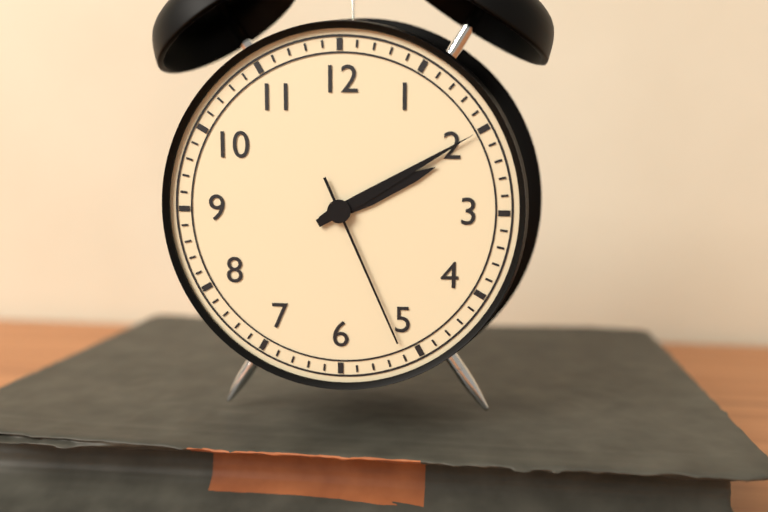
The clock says 2:10:26
